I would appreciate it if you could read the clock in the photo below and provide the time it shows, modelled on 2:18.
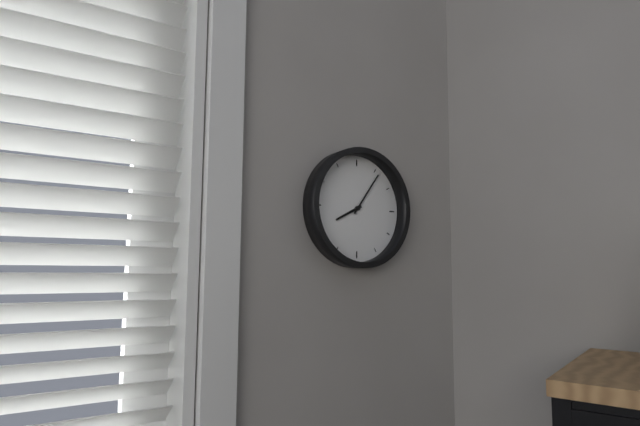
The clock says 8:06
